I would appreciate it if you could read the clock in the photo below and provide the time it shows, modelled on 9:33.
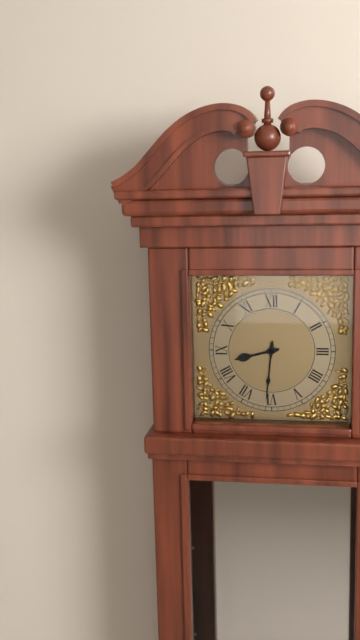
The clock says 8:31
